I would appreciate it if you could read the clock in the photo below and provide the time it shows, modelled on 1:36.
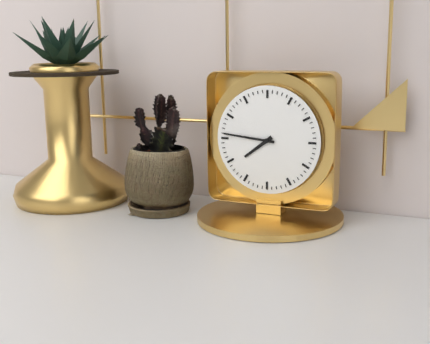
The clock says 7:46
